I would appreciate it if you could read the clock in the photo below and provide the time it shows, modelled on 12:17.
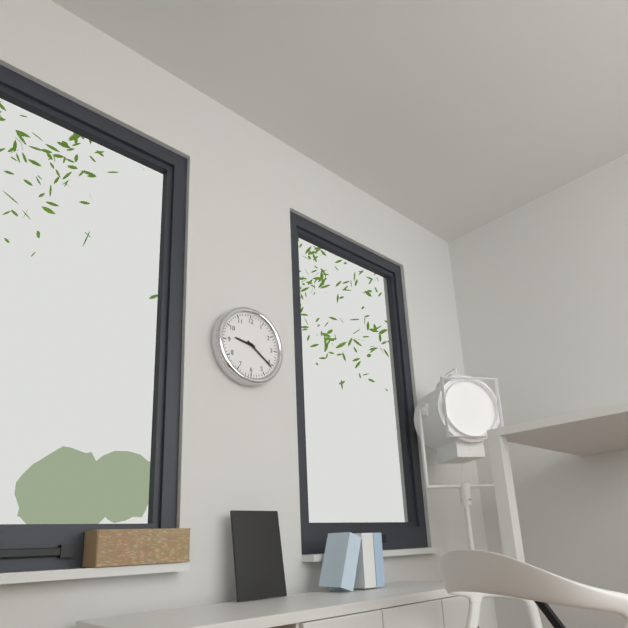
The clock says 9:21
